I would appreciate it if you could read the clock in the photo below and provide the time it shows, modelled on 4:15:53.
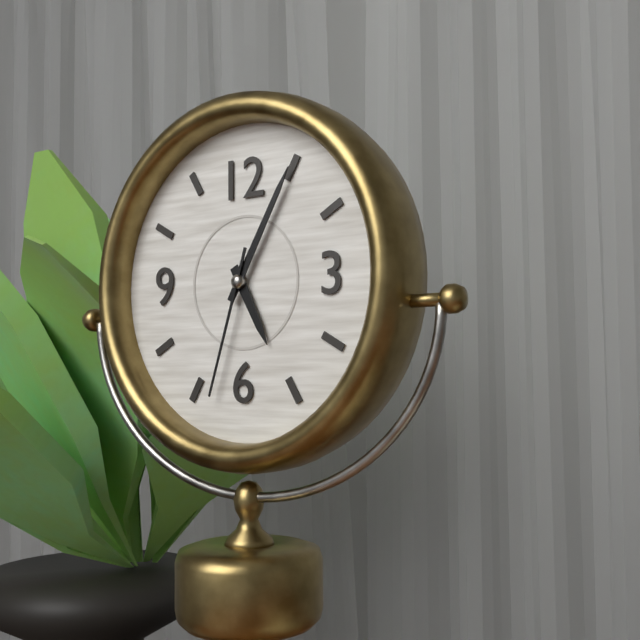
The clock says 5:05:33
